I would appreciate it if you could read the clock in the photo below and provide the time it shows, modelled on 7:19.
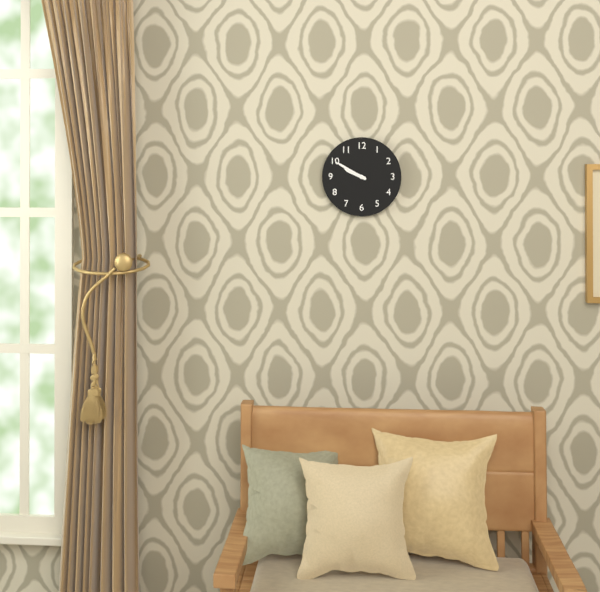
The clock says 9:50
